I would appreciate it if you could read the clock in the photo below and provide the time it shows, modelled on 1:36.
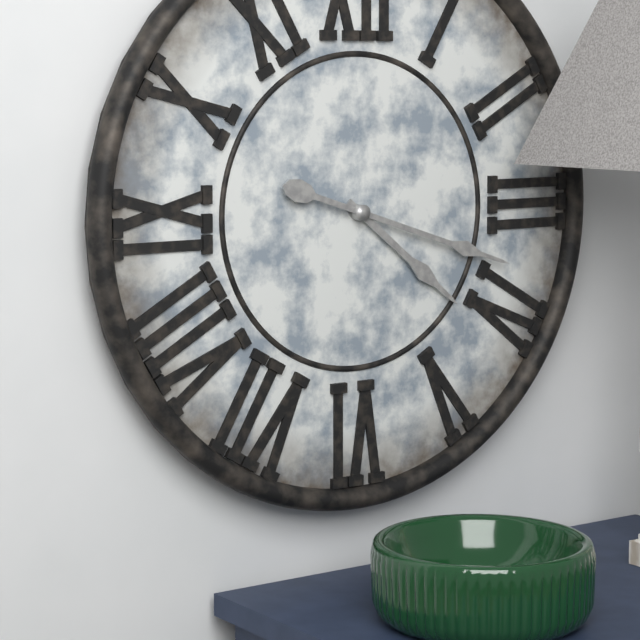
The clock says 4:18
